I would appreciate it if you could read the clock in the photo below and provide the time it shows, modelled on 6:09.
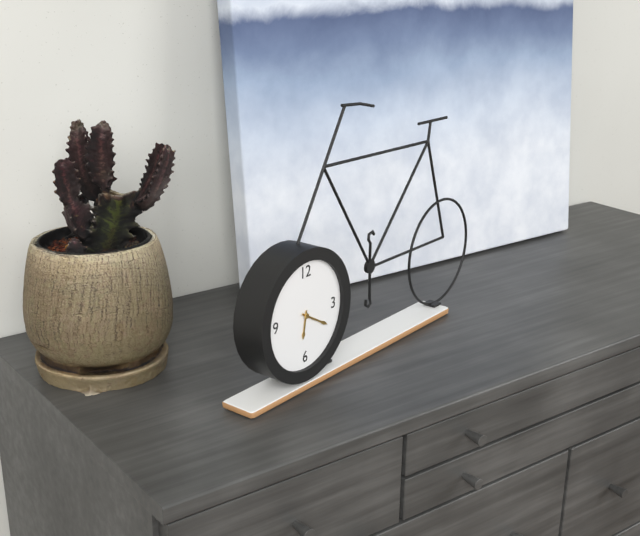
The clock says 6:20
